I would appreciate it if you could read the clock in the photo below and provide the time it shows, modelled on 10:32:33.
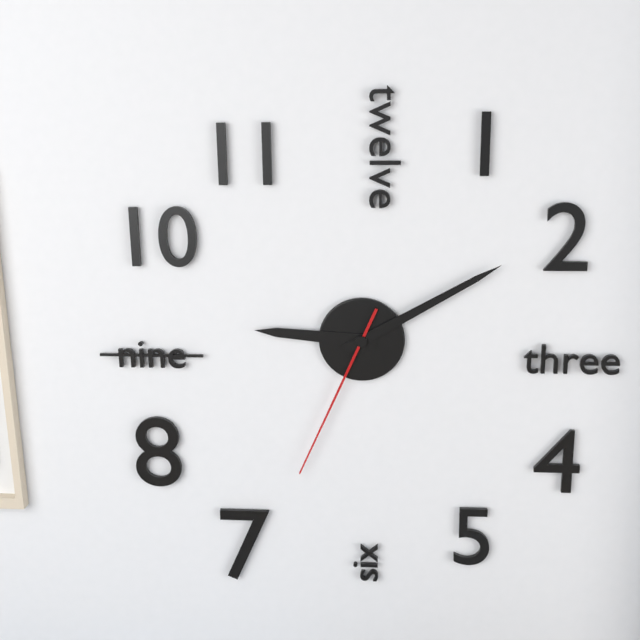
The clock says 9:10:34
